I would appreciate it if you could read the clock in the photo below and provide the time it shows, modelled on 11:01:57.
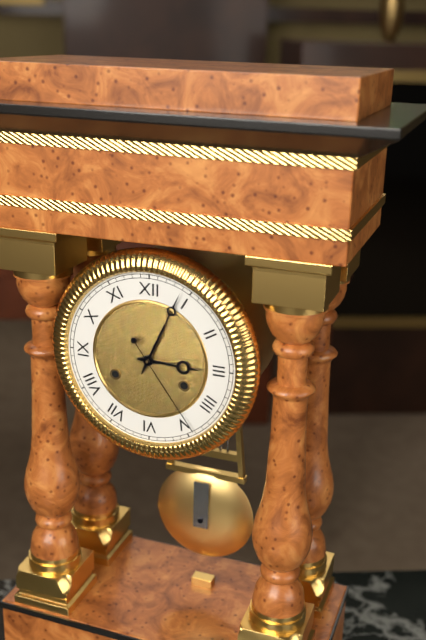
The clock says 3:04:24
